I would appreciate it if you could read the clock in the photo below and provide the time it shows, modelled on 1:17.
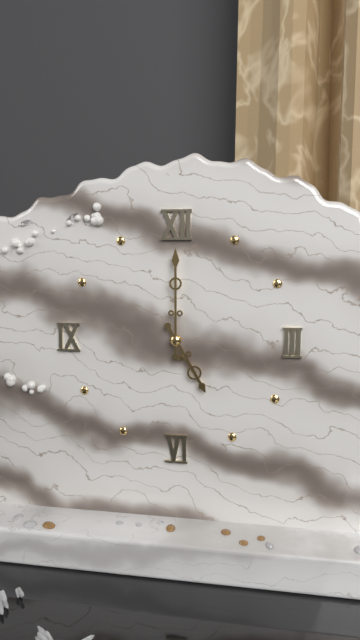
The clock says 5:00
